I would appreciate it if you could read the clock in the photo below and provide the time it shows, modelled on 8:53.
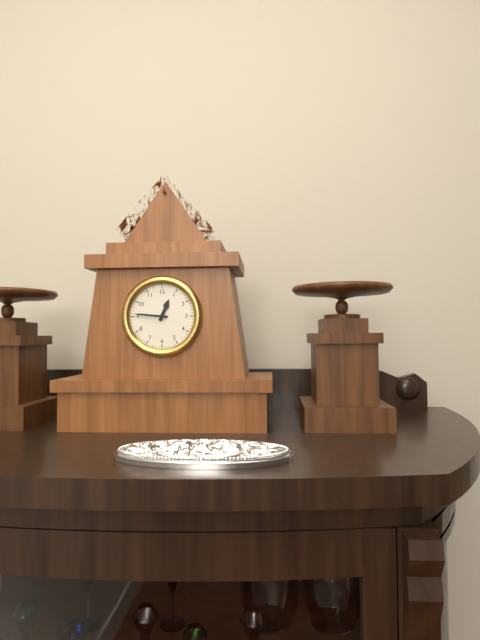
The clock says 12:46
